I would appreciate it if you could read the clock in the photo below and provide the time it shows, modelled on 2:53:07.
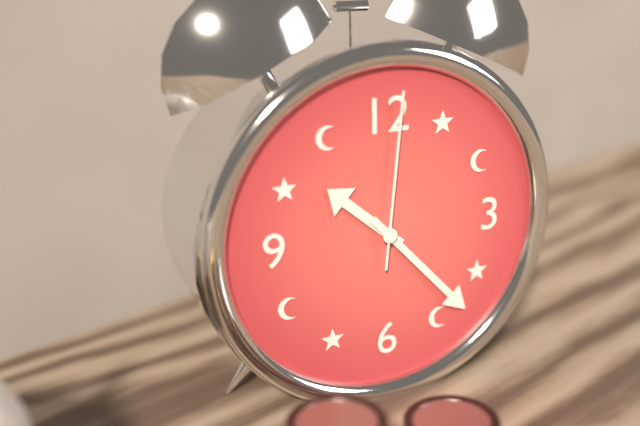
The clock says 10:23:01
